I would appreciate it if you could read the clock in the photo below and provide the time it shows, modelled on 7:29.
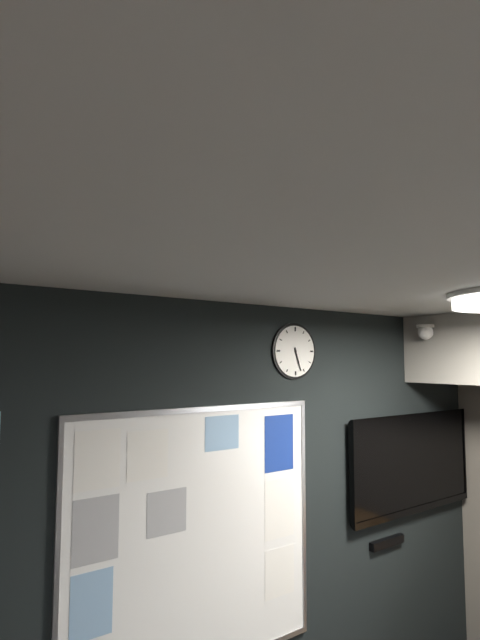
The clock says 5:27
